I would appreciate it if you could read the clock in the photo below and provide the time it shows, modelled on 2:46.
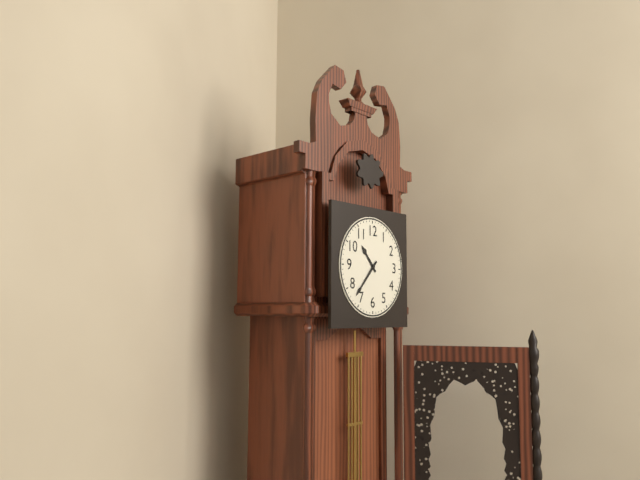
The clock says 10:37
